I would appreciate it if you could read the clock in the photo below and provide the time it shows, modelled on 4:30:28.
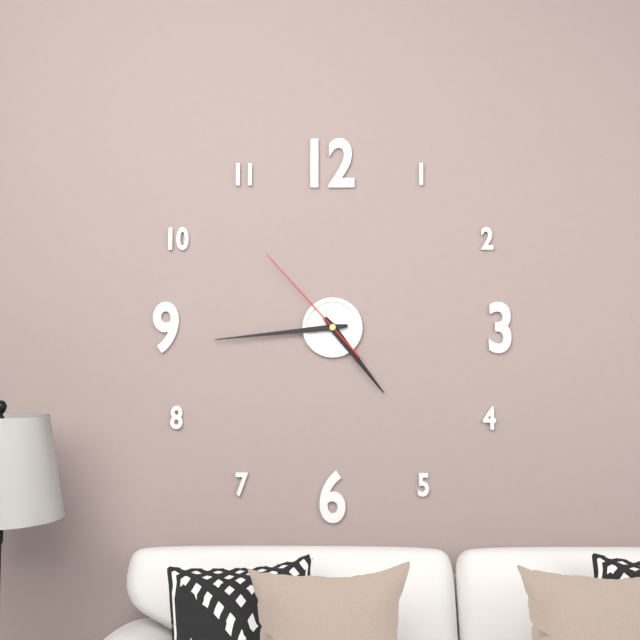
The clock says 4:44:53
